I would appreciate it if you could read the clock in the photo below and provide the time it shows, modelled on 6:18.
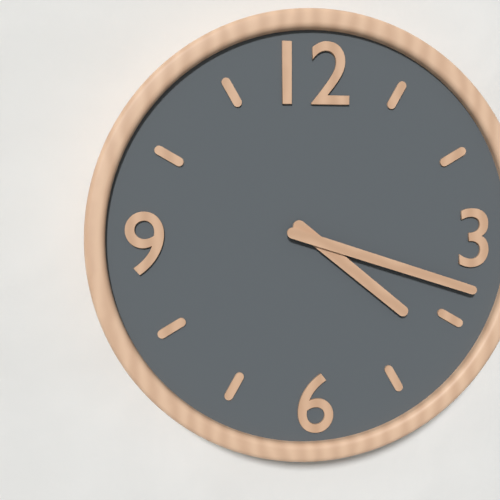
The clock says 4:18
